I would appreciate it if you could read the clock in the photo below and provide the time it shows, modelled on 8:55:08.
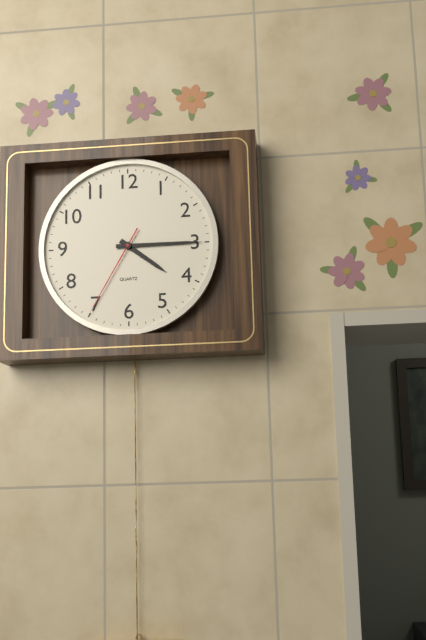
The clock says 4:15:35
